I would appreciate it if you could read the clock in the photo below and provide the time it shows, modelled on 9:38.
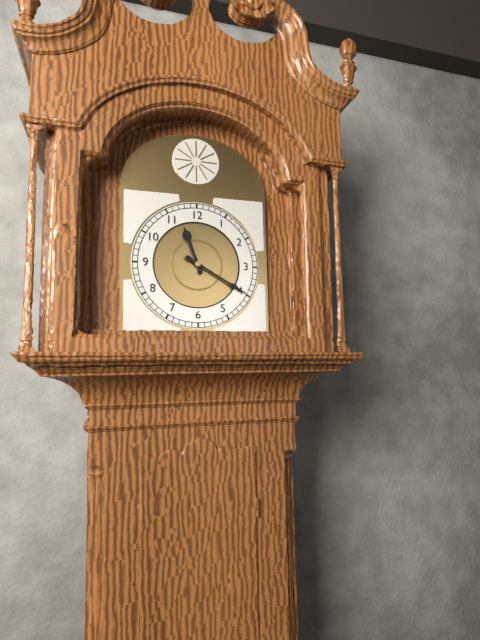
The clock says 11:20
